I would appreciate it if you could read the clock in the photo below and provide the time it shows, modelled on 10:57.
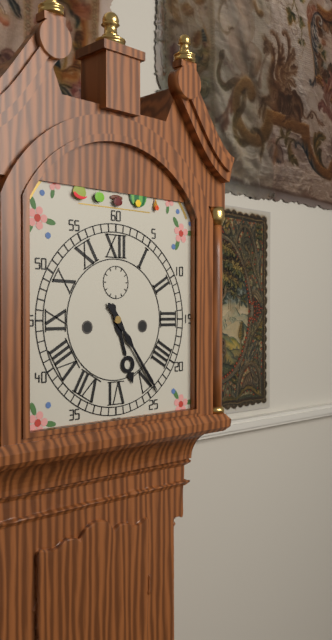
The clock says 5:24
